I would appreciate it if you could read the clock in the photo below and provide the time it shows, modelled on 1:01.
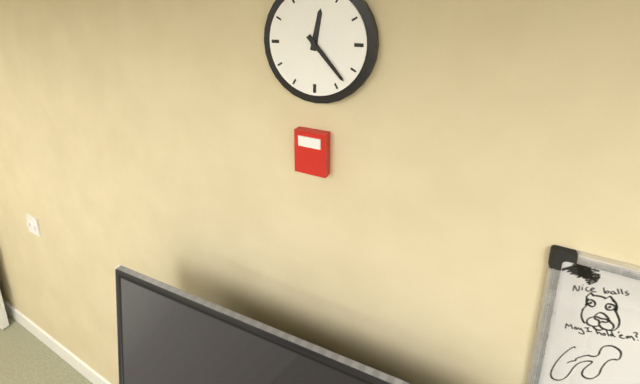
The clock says 12:23
